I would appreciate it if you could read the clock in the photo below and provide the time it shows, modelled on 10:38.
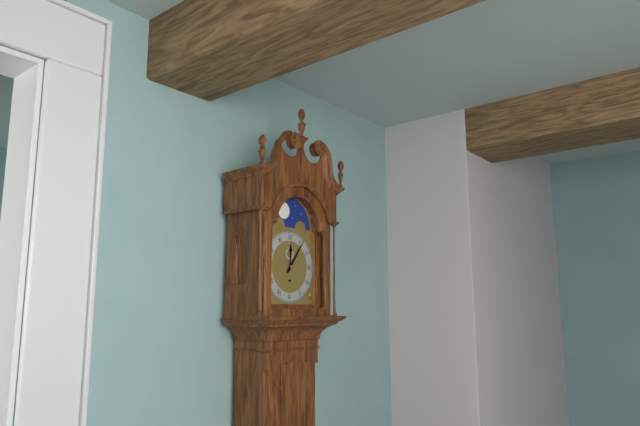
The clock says 12:06
